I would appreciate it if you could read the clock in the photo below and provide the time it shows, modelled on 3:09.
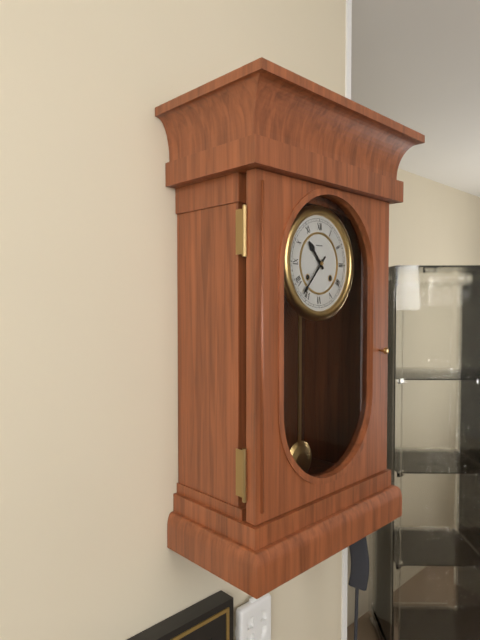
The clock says 10:37
